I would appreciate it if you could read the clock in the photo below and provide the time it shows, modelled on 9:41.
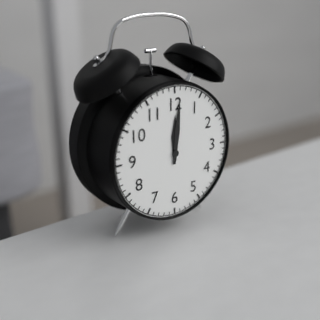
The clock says 12:01
